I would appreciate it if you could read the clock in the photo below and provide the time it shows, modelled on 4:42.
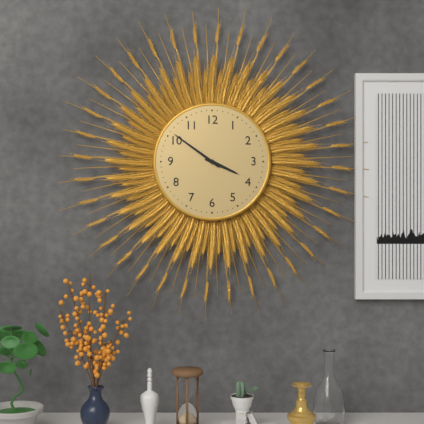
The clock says 3:51
